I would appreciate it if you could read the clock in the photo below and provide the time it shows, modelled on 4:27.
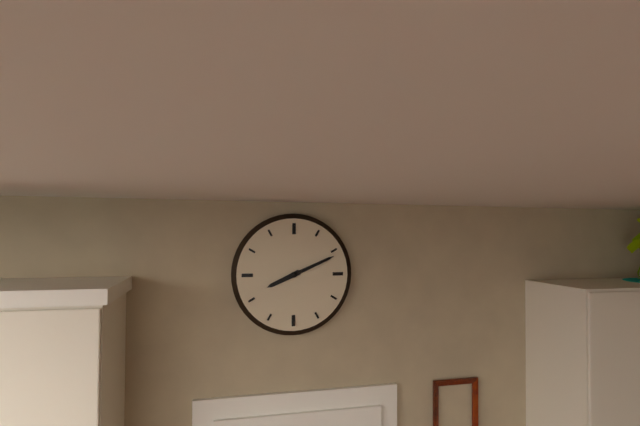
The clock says 8:11
